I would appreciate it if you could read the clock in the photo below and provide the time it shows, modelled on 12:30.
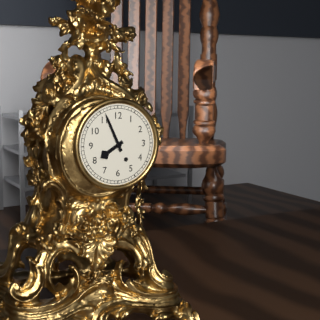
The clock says 7:56
